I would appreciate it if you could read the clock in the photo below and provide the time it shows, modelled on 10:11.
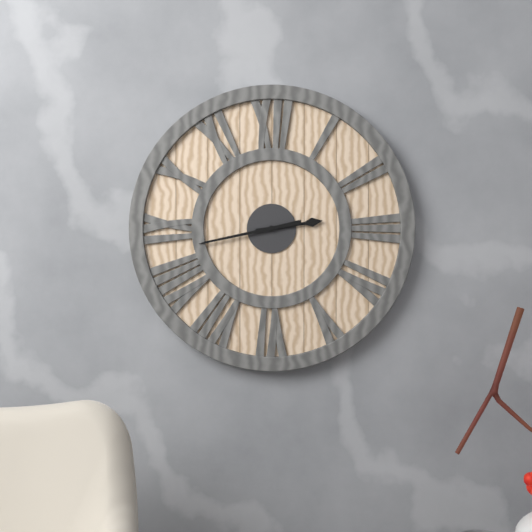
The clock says 2:43
